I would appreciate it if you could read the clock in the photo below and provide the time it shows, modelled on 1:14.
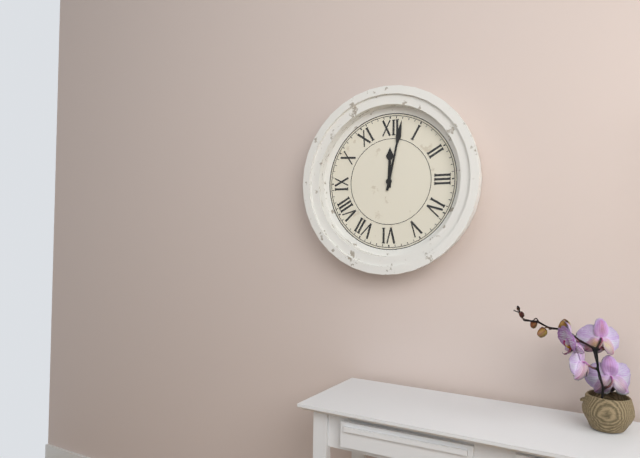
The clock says 12:02
